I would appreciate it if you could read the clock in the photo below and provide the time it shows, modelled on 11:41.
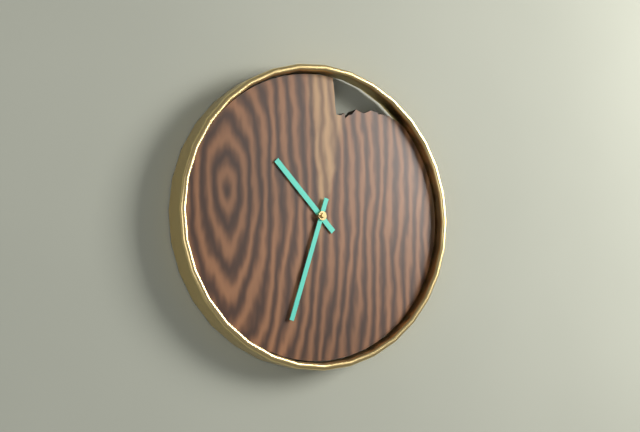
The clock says 10:33
